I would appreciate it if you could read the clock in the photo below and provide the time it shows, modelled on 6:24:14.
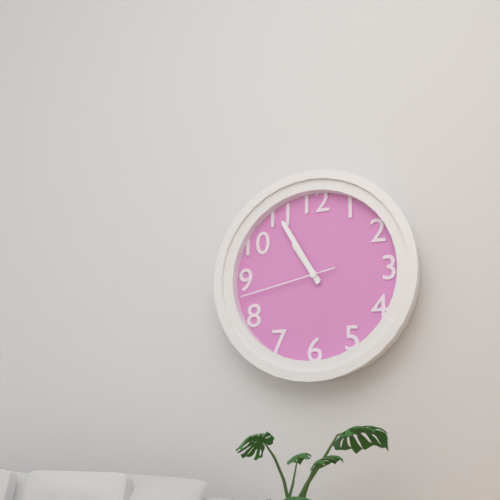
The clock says 10:55:43
